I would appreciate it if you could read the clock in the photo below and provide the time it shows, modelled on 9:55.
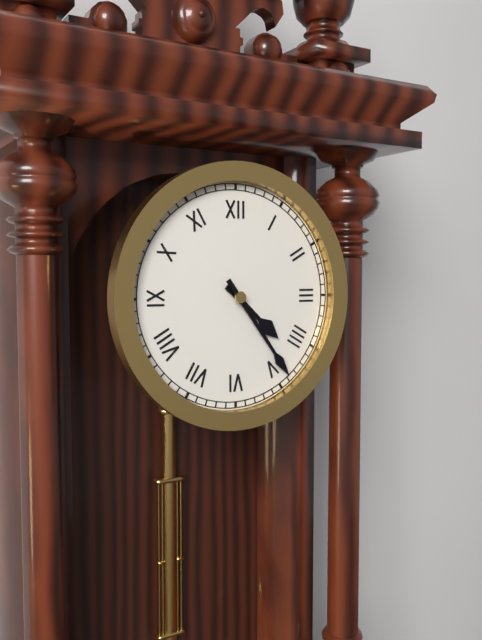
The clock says 4:24
